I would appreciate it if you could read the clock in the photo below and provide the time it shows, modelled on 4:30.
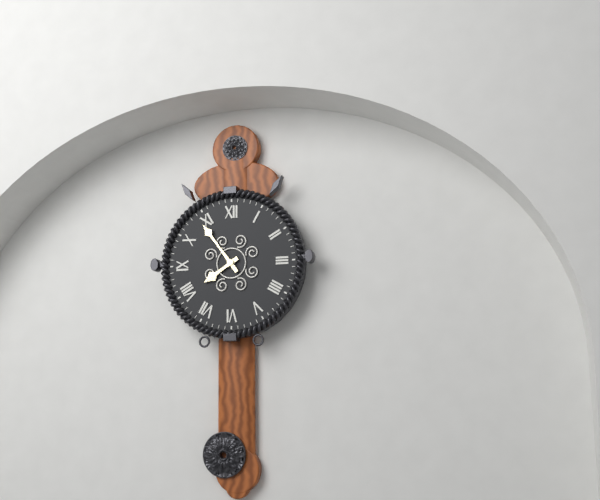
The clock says 7:54
